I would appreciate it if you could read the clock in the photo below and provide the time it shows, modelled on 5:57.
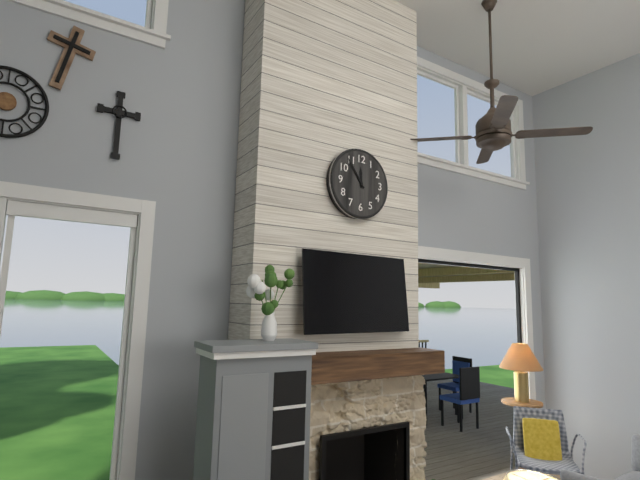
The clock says 11:54
